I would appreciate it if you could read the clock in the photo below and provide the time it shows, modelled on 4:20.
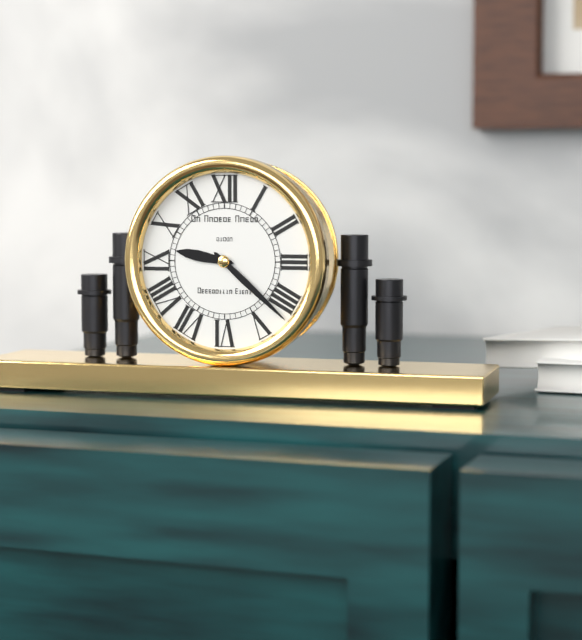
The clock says 9:22
